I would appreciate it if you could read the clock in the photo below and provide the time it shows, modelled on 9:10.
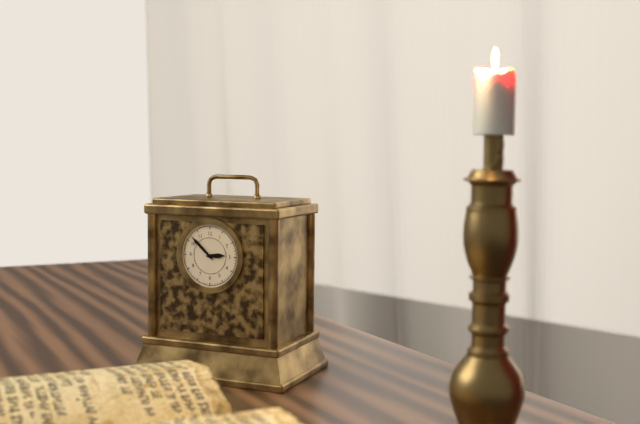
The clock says 2:52
